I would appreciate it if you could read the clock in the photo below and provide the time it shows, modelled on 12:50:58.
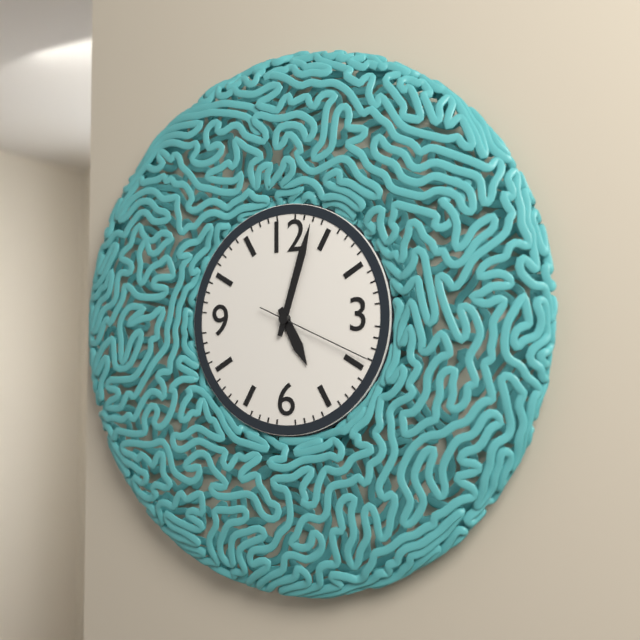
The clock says 5:03:19
